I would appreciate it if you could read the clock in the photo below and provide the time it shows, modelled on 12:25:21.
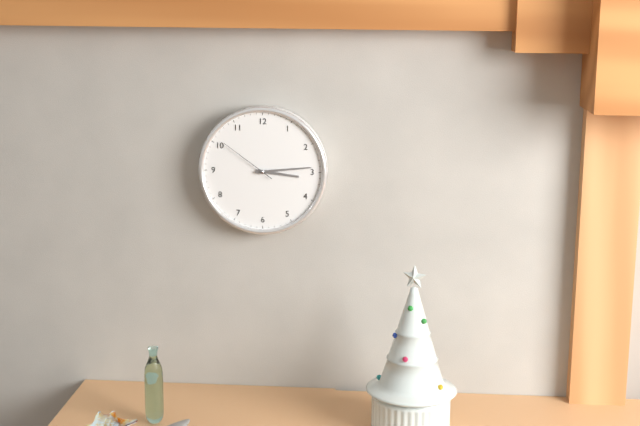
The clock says 3:14:51
